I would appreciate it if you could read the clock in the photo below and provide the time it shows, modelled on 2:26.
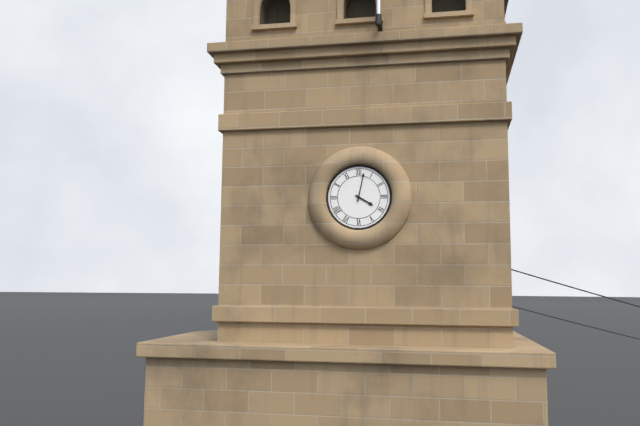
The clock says 4:02
